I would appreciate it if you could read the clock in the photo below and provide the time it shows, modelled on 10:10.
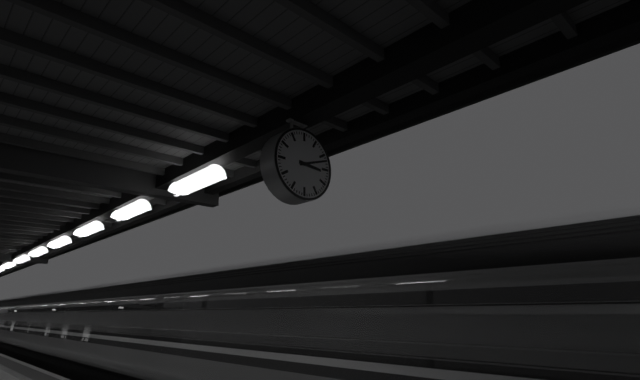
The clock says 3:12
